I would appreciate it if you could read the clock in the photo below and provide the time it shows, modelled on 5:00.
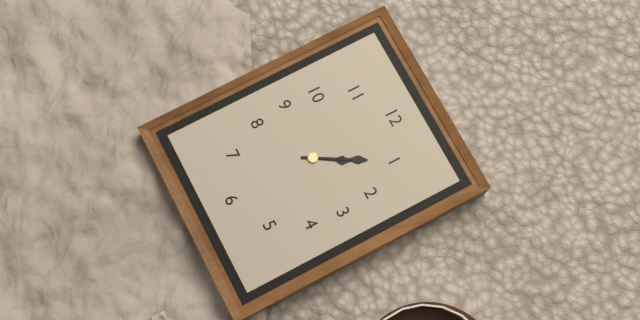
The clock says 1:05
